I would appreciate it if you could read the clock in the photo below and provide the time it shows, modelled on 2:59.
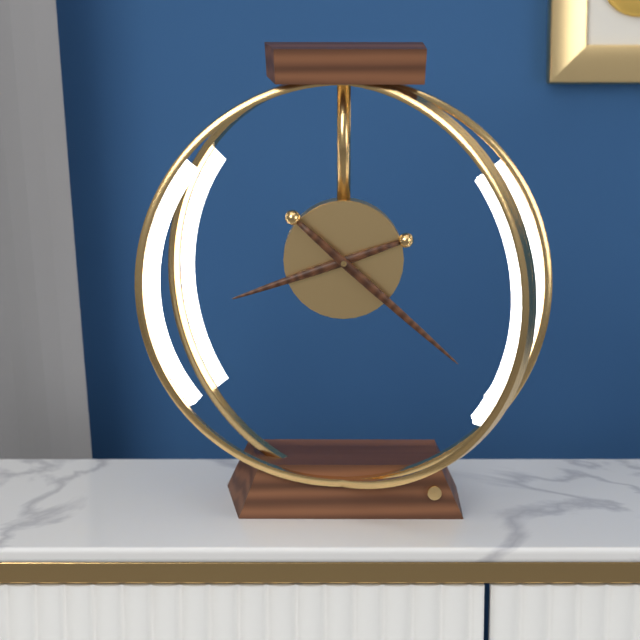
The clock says 8:22
